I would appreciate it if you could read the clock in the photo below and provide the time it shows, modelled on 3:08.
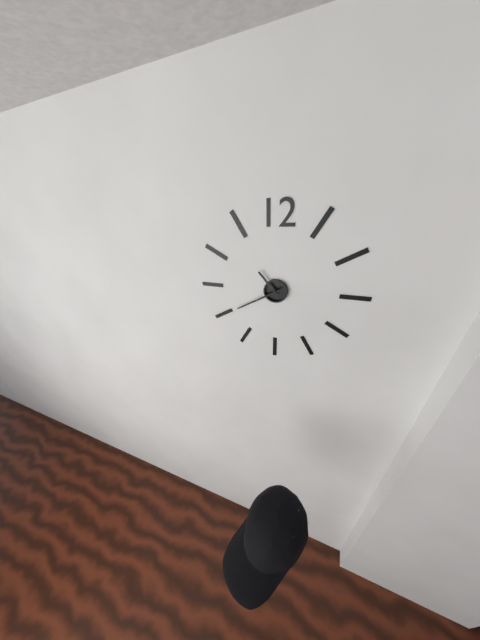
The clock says 10:40
